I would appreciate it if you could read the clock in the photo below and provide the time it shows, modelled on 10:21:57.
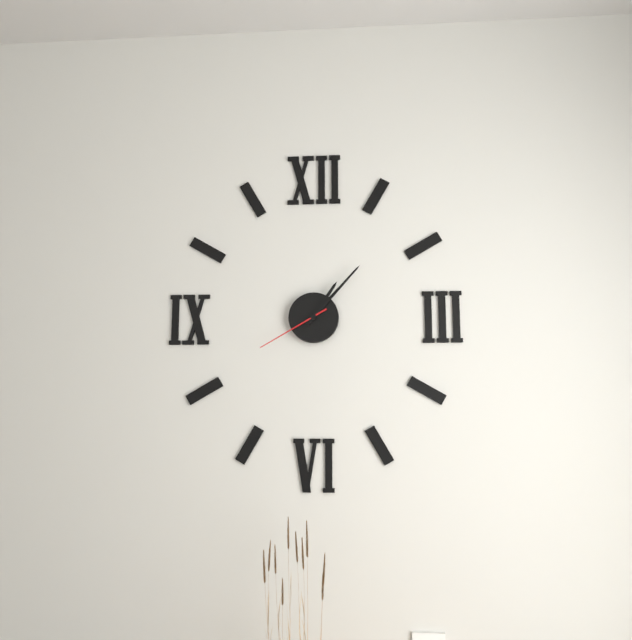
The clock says 1:07:40
